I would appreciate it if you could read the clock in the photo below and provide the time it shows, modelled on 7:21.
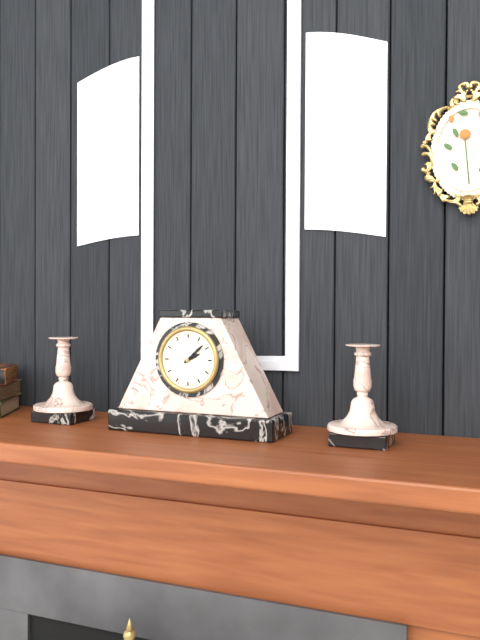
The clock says 2:08
